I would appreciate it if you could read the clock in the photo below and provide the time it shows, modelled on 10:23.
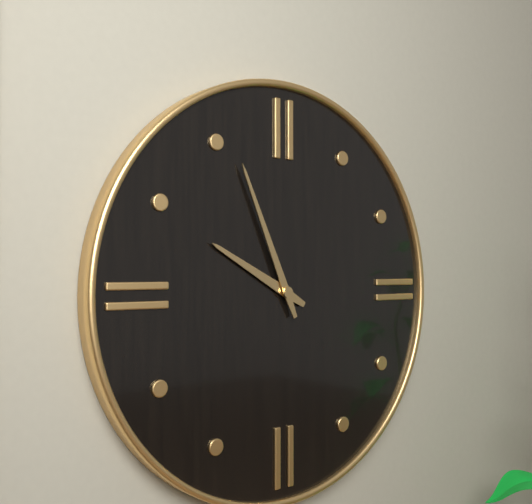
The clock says 9:56
